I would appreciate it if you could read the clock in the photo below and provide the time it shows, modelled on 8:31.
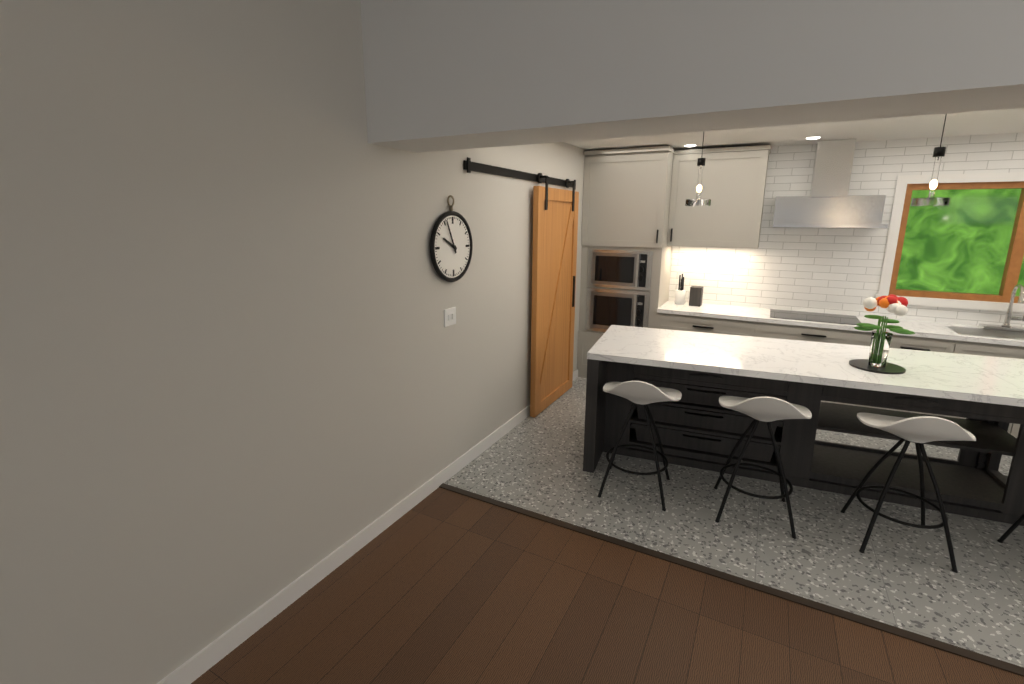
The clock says 9:56
